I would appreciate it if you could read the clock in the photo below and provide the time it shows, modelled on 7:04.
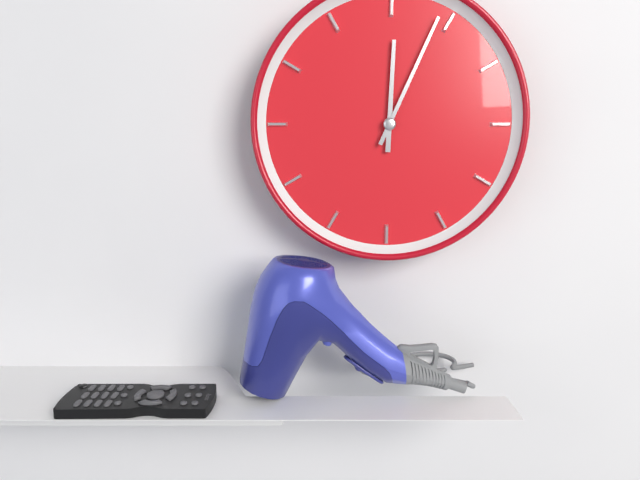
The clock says 12:04
